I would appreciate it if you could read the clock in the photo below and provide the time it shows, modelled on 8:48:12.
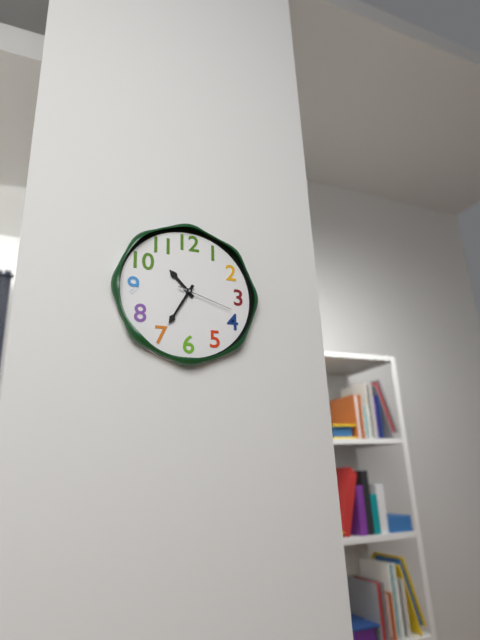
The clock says 10:35:18
